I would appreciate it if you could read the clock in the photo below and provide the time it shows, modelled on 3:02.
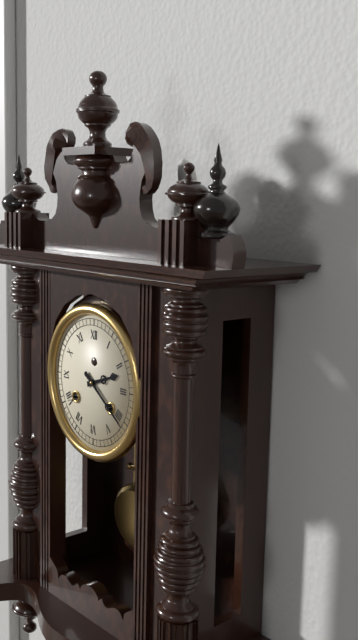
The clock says 2:21
